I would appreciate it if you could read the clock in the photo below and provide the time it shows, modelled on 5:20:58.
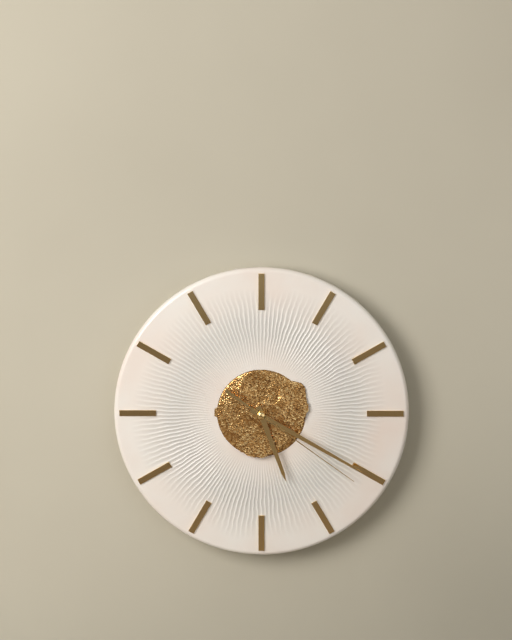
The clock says 5:20:21
